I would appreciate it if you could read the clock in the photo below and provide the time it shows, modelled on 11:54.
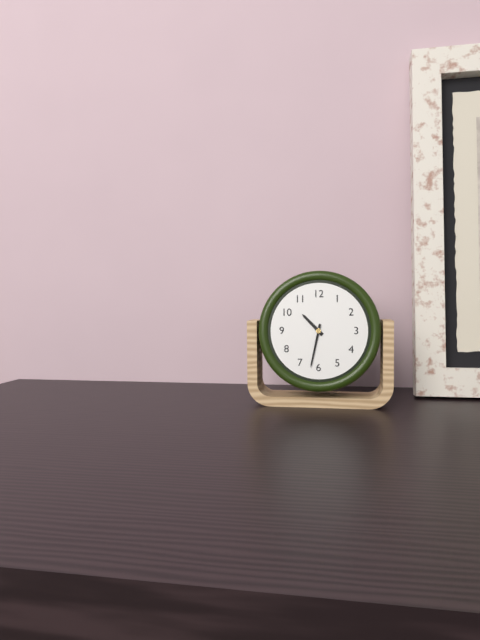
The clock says 10:32
